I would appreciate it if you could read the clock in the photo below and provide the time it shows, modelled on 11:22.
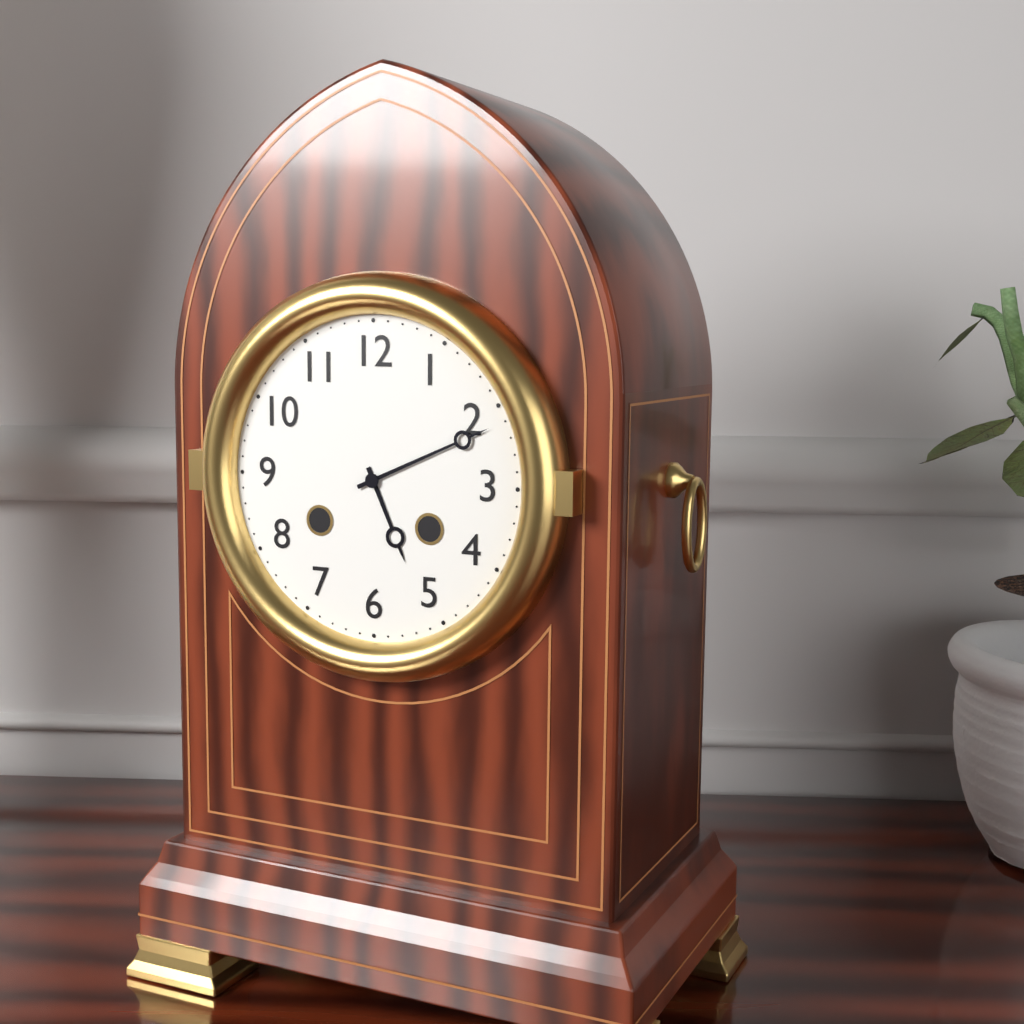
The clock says 5:11
